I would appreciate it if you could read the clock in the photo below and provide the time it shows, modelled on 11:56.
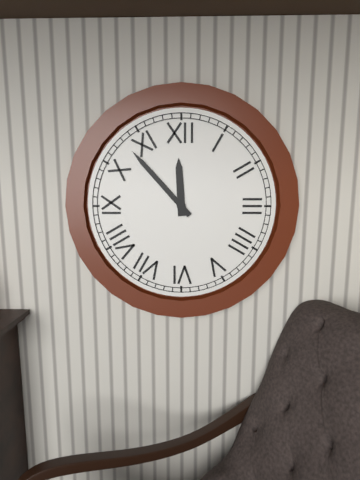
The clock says 11:53
